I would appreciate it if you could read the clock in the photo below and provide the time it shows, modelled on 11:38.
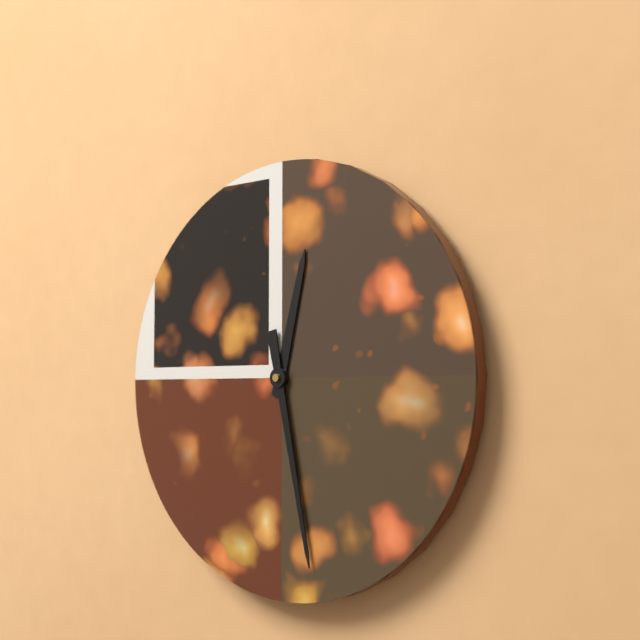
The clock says 12:28
